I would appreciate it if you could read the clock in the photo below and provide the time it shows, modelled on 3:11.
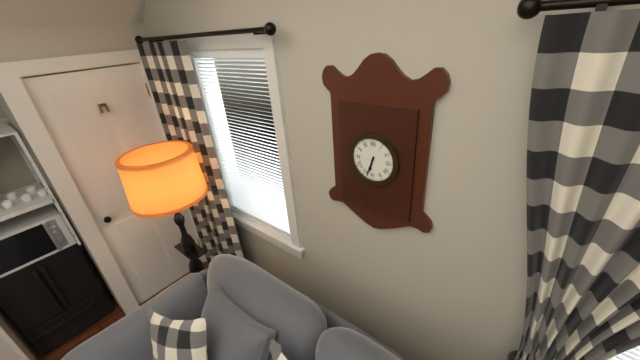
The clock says 6:33
